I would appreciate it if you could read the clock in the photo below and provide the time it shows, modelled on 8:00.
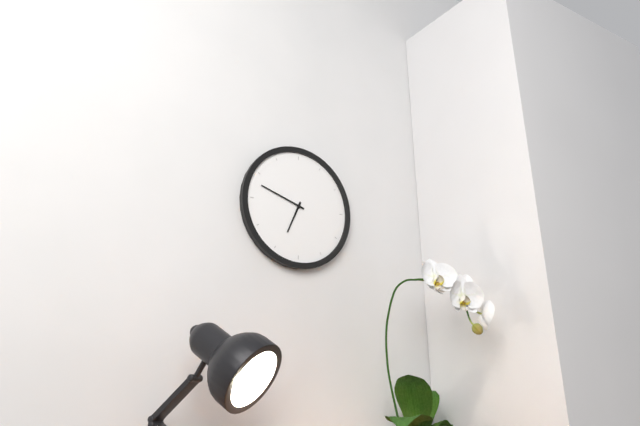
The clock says 6:48
